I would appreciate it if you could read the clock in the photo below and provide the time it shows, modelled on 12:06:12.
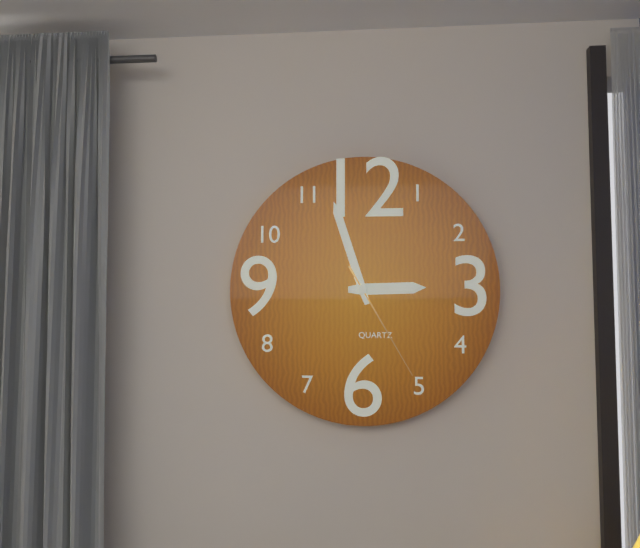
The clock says 2:57:25
